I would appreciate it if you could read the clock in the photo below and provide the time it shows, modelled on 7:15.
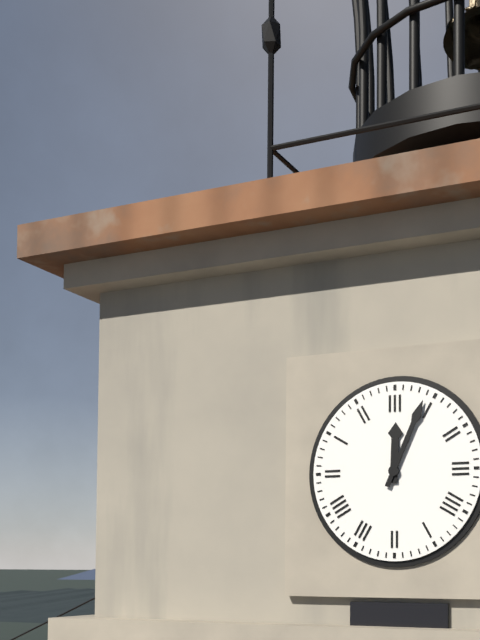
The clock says 12:04
